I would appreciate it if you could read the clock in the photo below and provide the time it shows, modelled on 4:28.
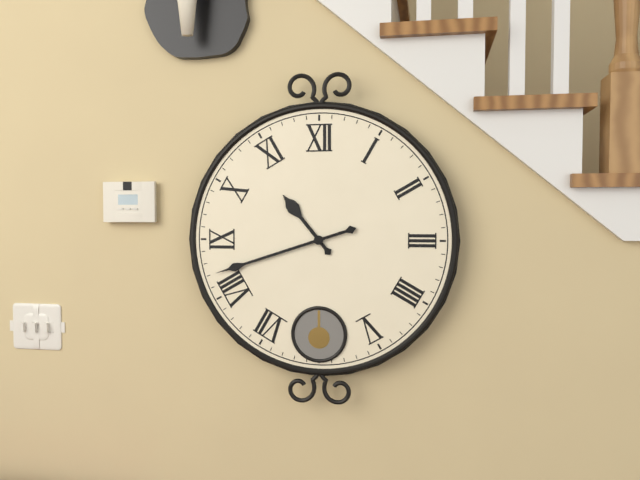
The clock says 10:42
